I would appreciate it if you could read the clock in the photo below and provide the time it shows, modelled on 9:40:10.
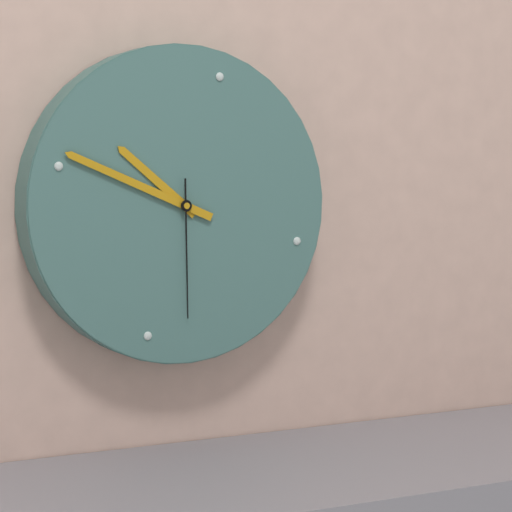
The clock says 9:46:27
